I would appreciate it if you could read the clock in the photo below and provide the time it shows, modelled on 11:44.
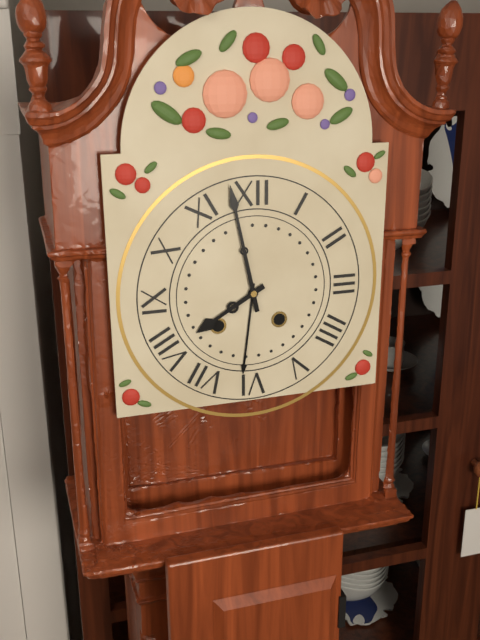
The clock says 7:58
